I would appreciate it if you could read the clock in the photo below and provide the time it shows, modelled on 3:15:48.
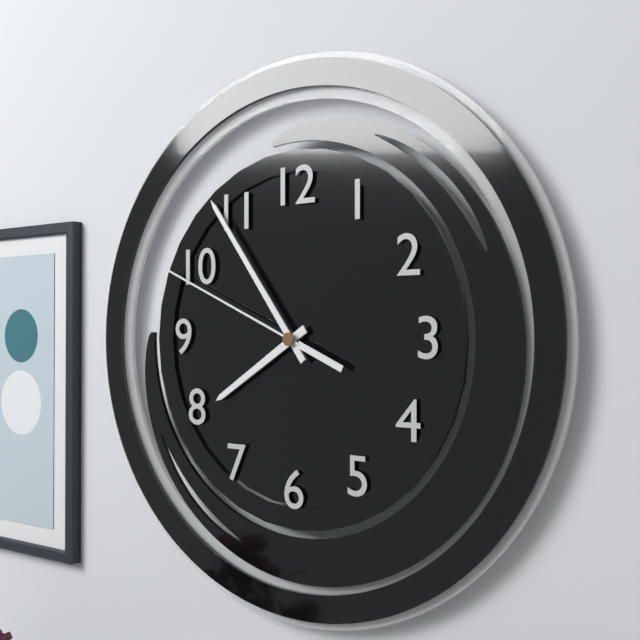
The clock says 7:54:49
